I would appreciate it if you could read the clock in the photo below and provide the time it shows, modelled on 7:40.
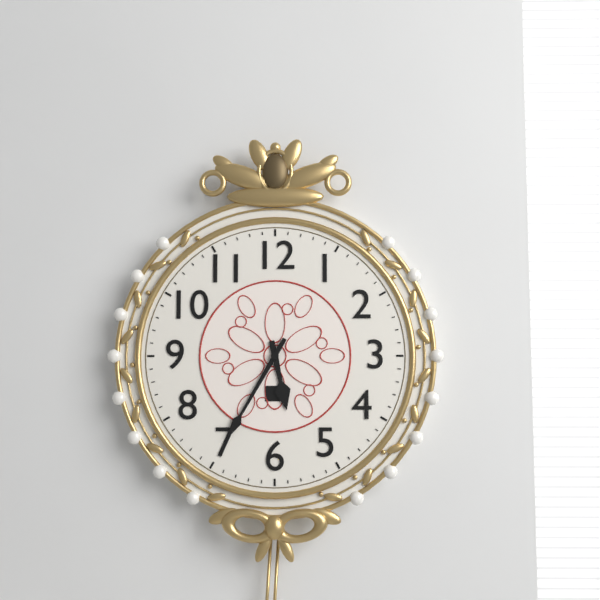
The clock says 5:35
